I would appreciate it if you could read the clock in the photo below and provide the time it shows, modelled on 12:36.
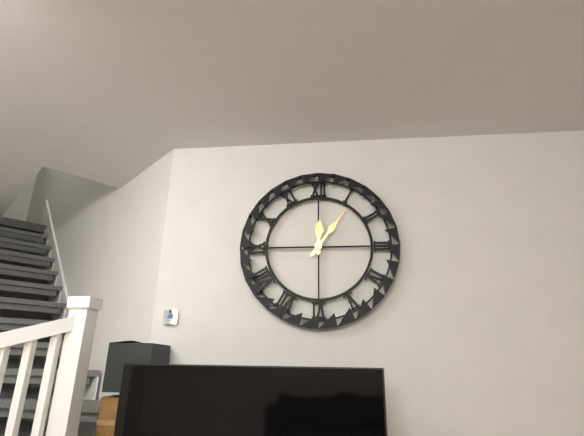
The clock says 12:06
